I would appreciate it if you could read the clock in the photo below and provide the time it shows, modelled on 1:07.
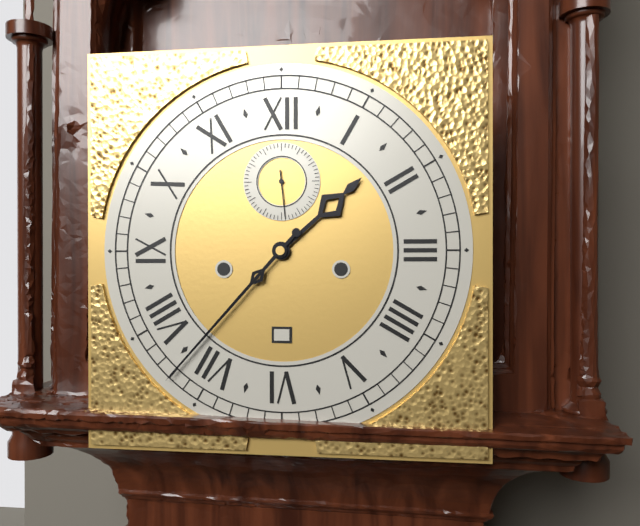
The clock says 1:37
